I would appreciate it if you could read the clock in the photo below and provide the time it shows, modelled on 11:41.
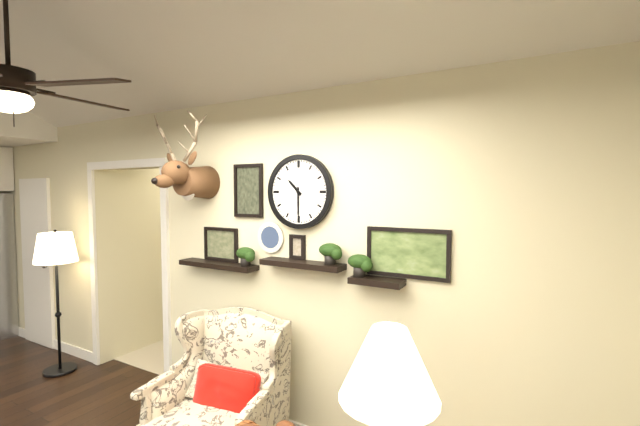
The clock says 10:30
